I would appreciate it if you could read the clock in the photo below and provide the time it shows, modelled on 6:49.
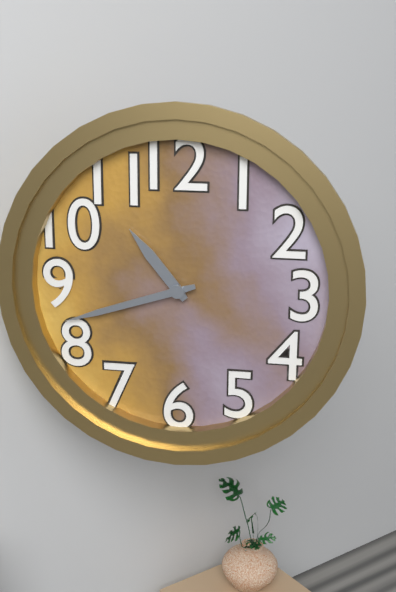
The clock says 10:42
